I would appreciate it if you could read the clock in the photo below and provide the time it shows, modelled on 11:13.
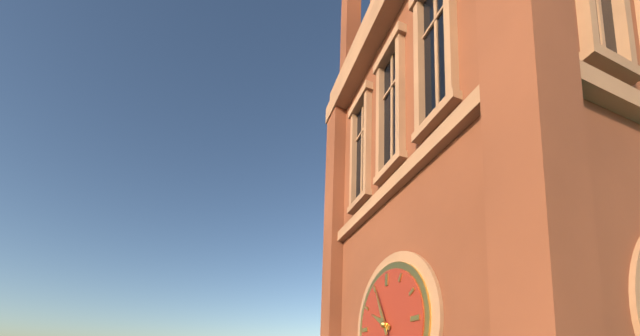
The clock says 9:56
